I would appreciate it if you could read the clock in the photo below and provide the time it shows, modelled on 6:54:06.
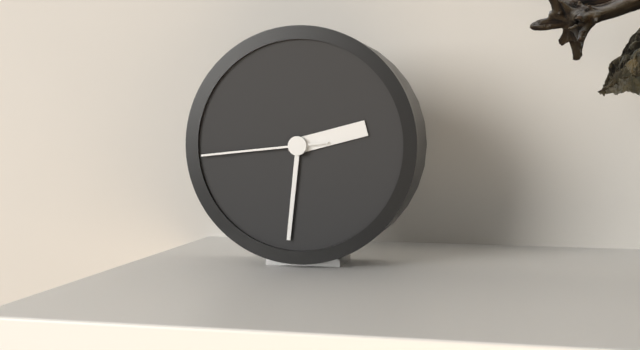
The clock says 2:31:44
